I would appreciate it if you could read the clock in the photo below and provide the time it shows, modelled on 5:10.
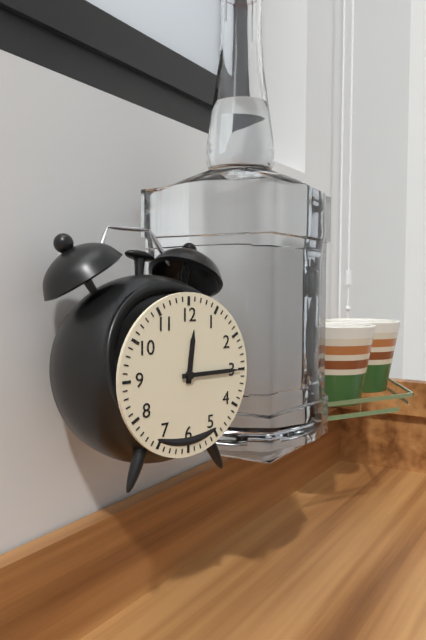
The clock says 12:15
